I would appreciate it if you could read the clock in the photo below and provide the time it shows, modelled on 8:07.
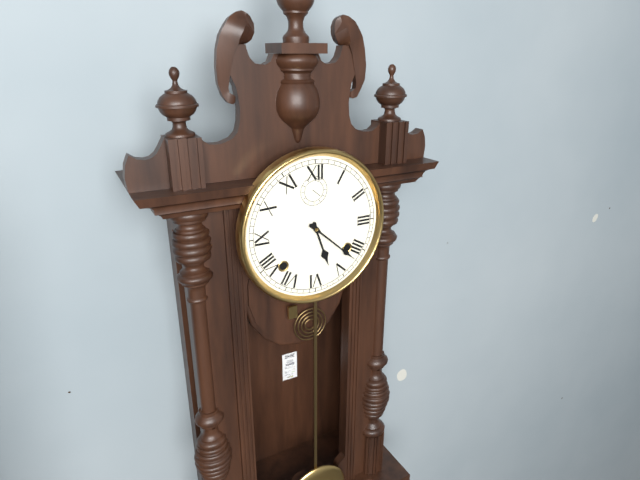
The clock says 5:22
